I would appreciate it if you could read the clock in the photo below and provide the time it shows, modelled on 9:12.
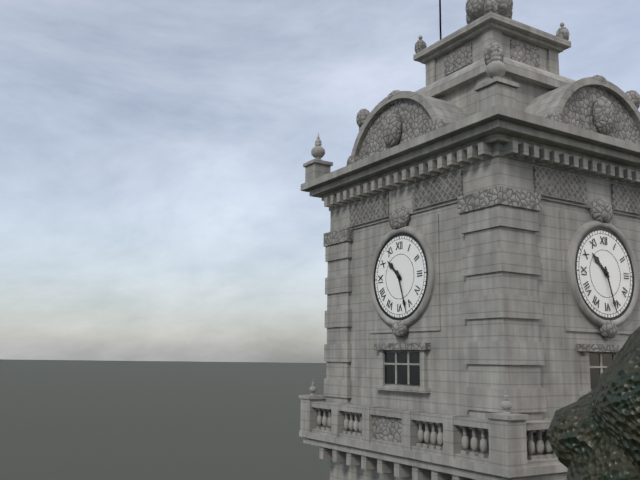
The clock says 10:27
